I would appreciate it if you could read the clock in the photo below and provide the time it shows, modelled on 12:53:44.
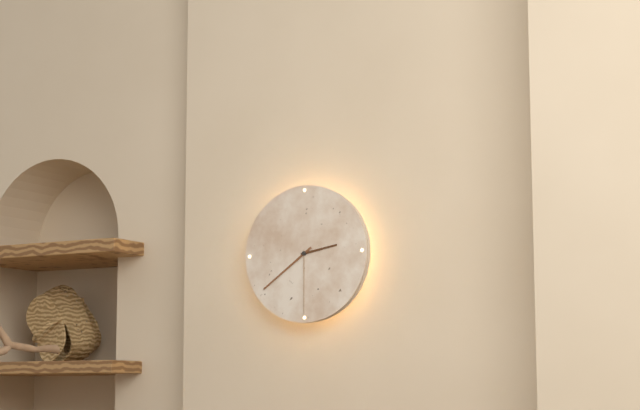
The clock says 2:39:30
